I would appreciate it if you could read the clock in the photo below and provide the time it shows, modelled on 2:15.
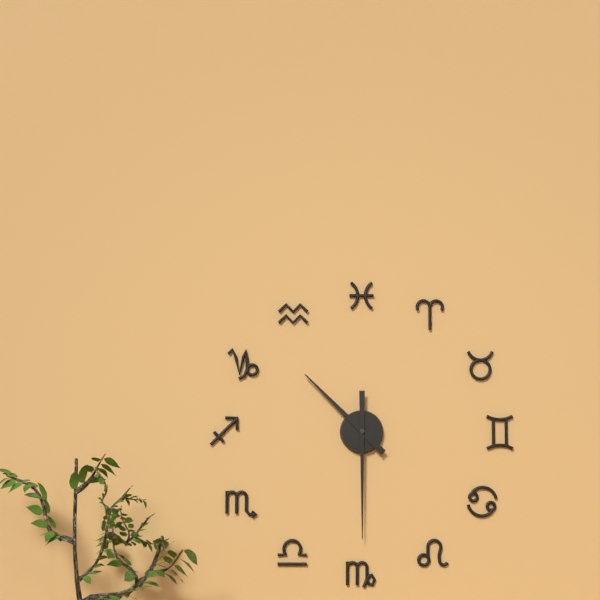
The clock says 10:30
